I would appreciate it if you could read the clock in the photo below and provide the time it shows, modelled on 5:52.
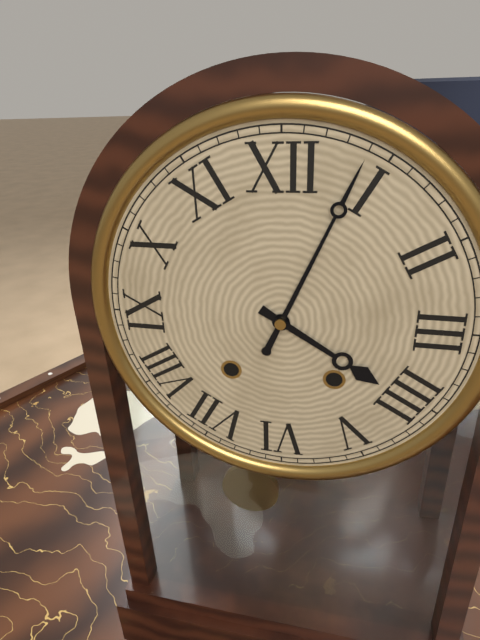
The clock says 4:04
